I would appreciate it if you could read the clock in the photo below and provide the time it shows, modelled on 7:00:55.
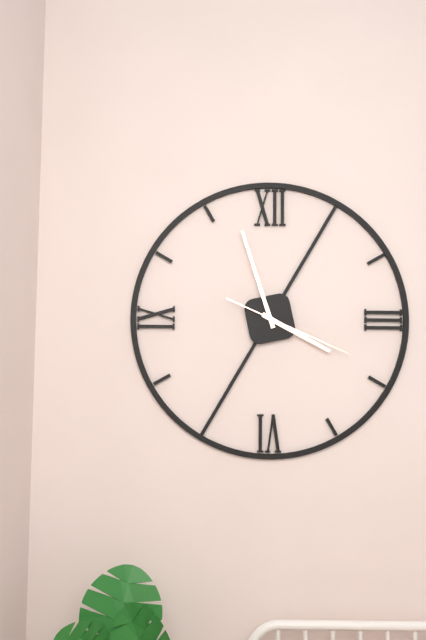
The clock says 3:57:19
